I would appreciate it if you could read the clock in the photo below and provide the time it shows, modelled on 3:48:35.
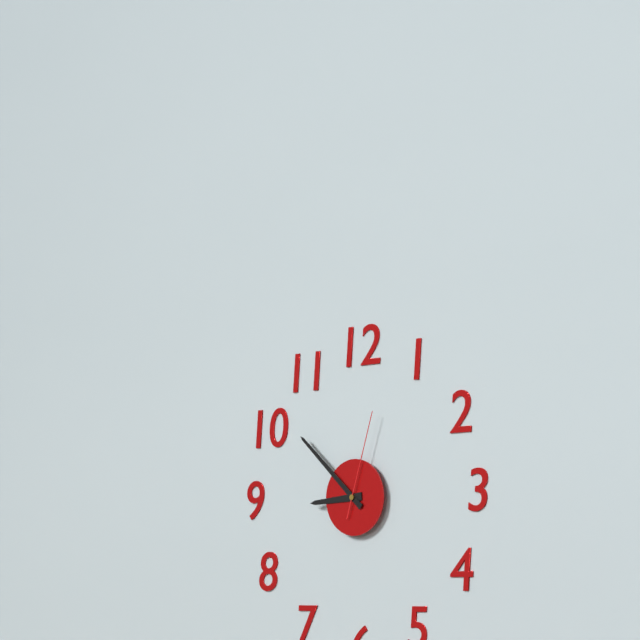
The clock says 8:52:03
